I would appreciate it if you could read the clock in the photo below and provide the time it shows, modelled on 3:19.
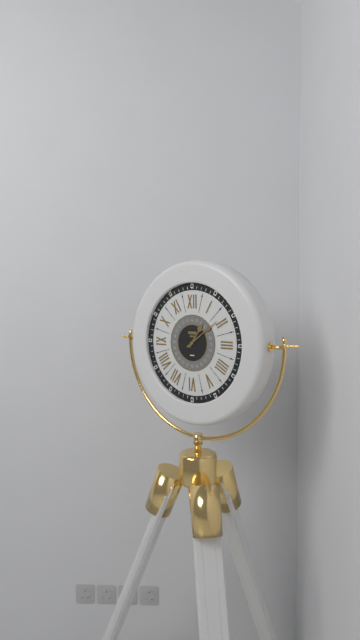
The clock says 1:09
